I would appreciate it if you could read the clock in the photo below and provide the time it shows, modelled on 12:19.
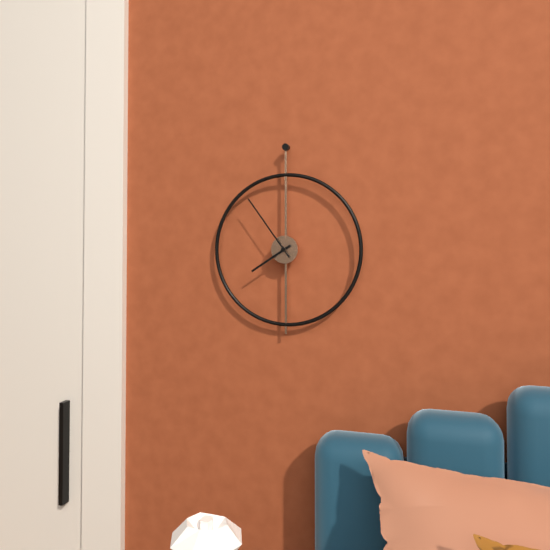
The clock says 7:54
